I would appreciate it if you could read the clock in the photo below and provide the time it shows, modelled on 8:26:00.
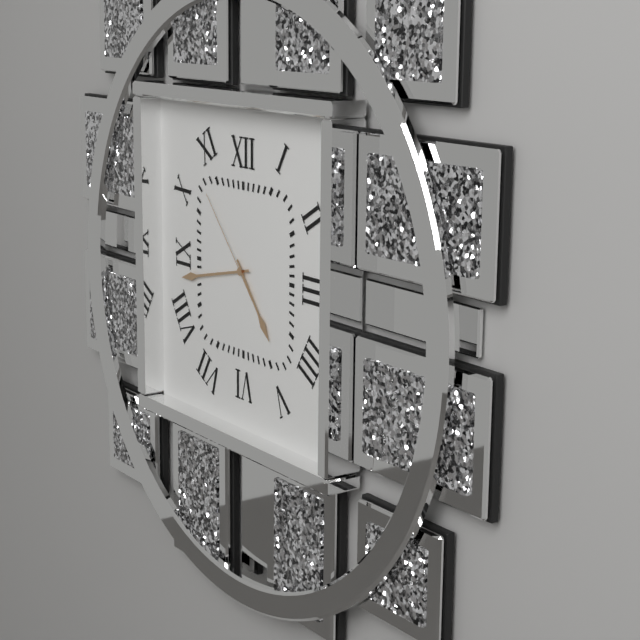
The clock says 4:43:53
